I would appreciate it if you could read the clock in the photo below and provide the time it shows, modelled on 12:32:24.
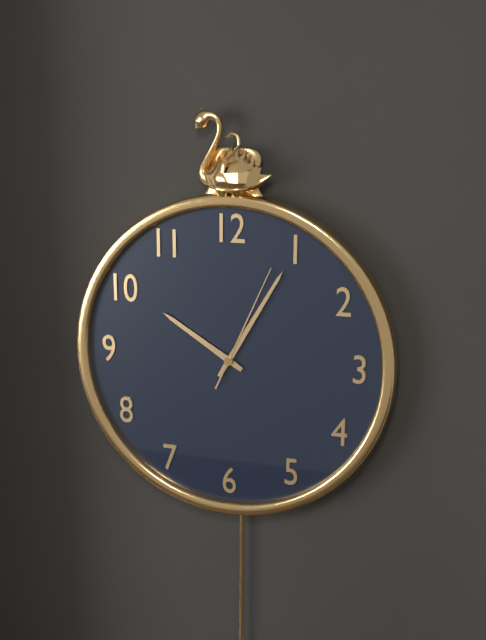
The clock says 10:05:04
